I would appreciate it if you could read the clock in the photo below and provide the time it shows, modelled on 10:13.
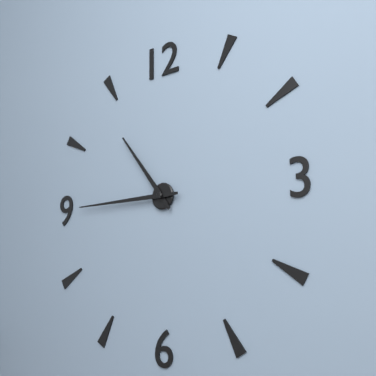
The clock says 10:45
